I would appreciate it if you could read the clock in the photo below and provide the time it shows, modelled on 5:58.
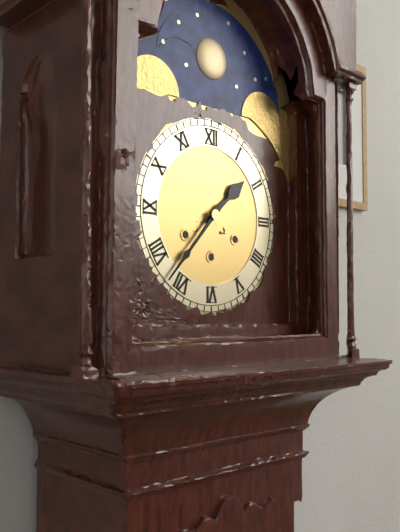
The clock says 1:37
